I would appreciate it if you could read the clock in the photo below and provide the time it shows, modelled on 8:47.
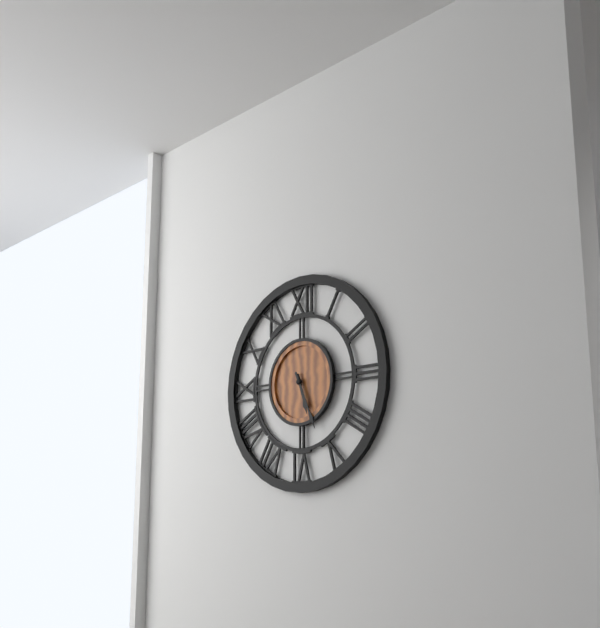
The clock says 5:26
